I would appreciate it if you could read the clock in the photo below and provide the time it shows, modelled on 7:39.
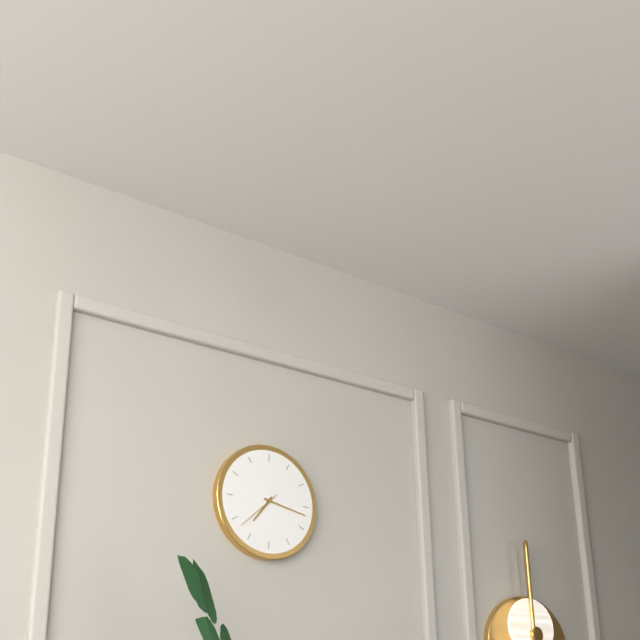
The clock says 7:17
